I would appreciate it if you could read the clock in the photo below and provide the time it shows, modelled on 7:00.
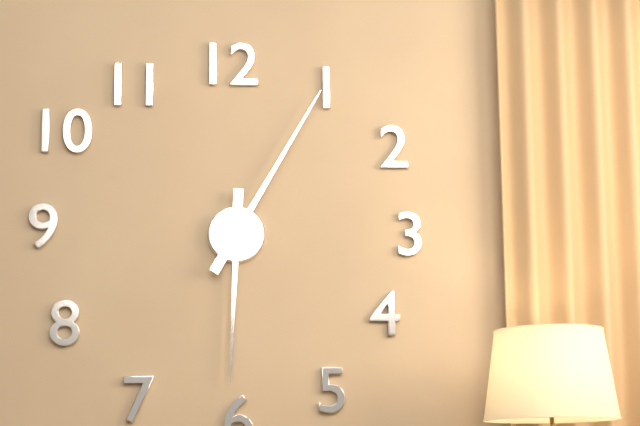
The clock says 6:05
